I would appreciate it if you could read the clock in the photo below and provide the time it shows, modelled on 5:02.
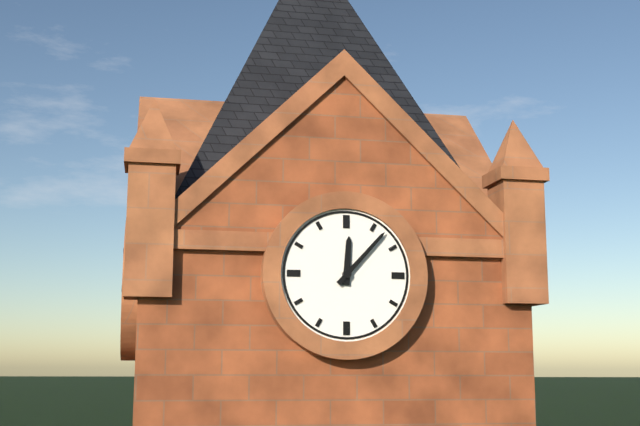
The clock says 12:07
